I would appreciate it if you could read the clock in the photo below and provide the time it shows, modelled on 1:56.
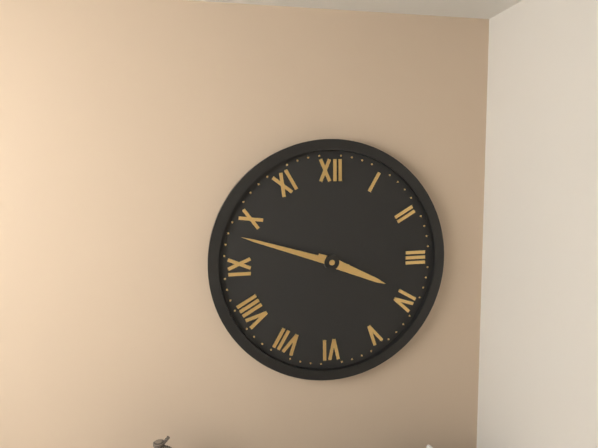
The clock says 3:48
